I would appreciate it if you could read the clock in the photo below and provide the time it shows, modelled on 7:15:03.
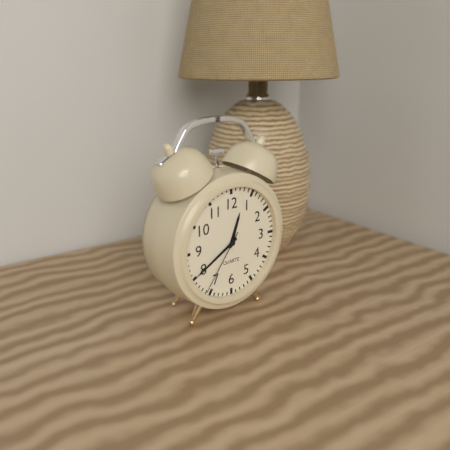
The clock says 12:40:36
